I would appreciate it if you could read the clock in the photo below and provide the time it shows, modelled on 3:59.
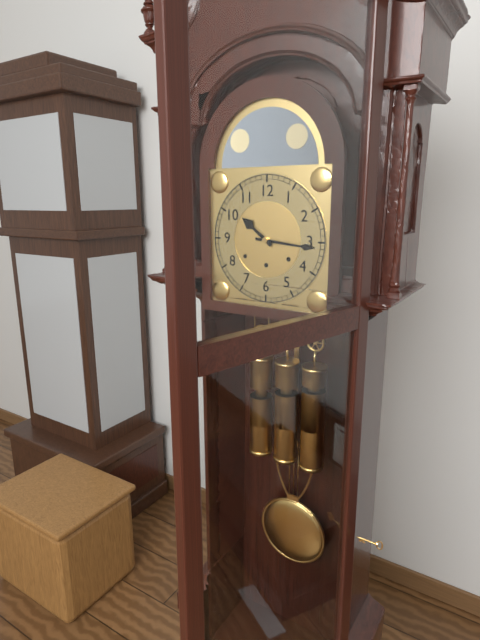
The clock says 10:16
